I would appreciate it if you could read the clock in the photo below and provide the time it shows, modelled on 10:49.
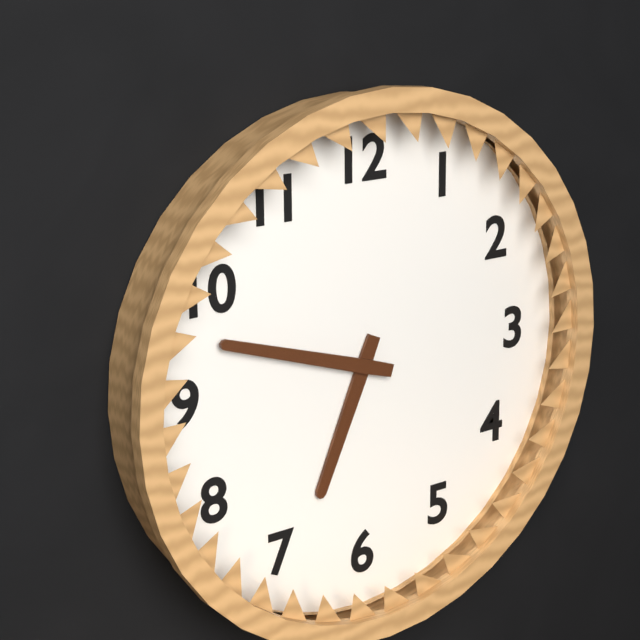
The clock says 6:48
